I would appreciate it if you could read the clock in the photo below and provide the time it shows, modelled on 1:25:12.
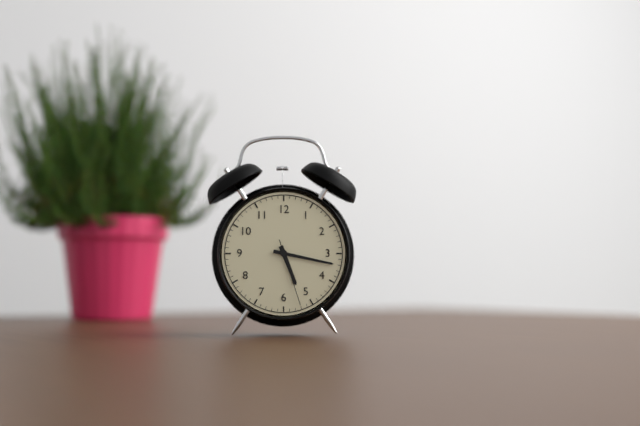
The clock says 5:17:27
